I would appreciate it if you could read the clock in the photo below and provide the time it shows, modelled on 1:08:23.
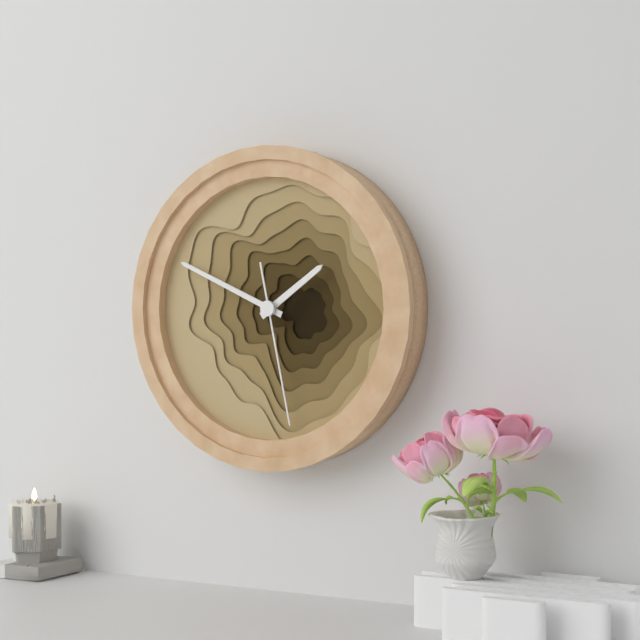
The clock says 1:49:28
